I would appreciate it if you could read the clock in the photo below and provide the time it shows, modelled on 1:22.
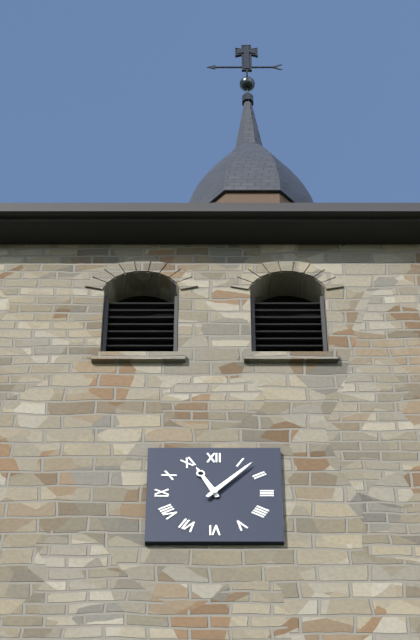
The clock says 11:07
